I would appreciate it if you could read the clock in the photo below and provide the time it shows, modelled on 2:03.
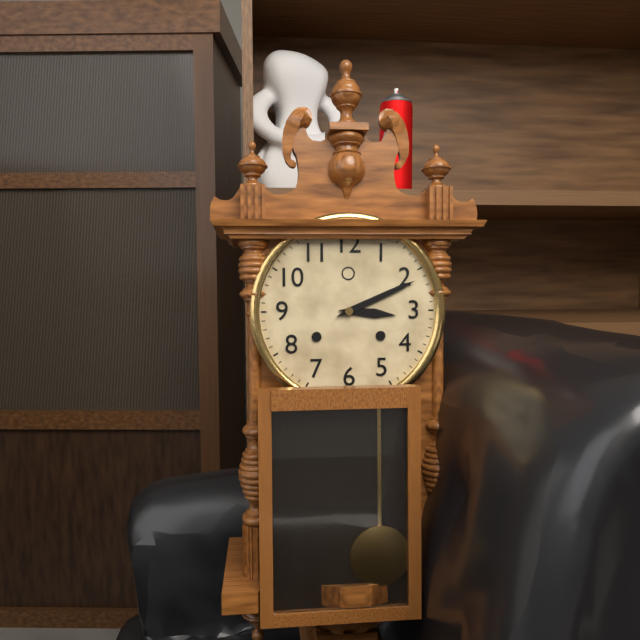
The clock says 3:11
